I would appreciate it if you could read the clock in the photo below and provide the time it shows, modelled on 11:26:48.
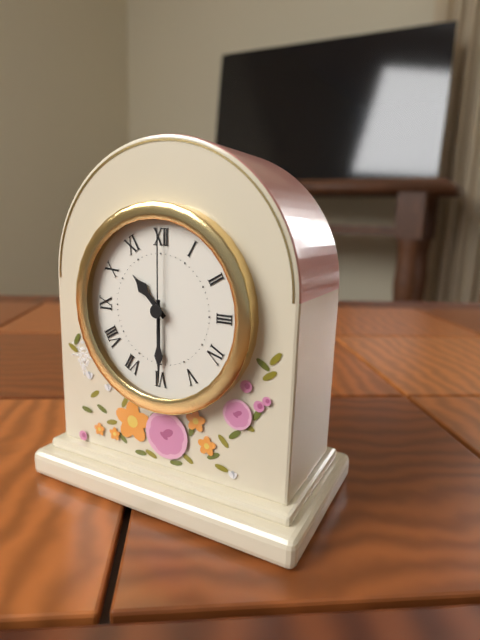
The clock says 10:30:00
